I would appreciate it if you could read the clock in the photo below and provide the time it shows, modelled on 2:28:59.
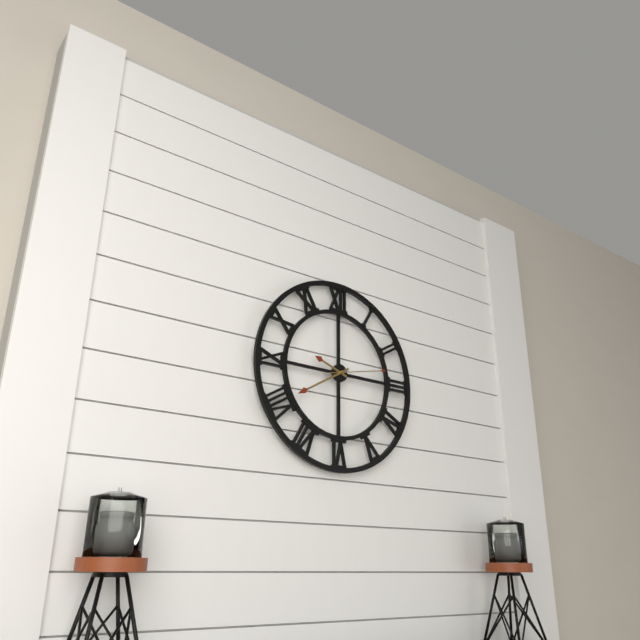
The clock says 9:40:13
